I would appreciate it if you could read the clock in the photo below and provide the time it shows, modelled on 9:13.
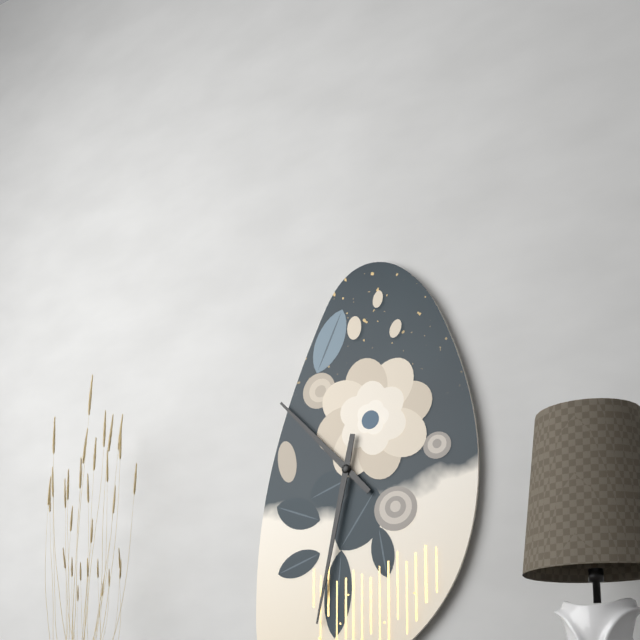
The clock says 10:32
